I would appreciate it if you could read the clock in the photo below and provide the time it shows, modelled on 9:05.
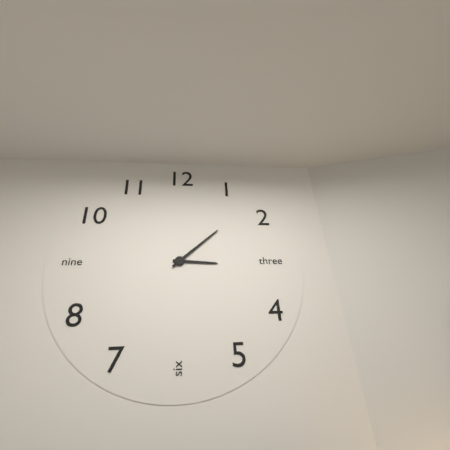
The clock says 3:08
